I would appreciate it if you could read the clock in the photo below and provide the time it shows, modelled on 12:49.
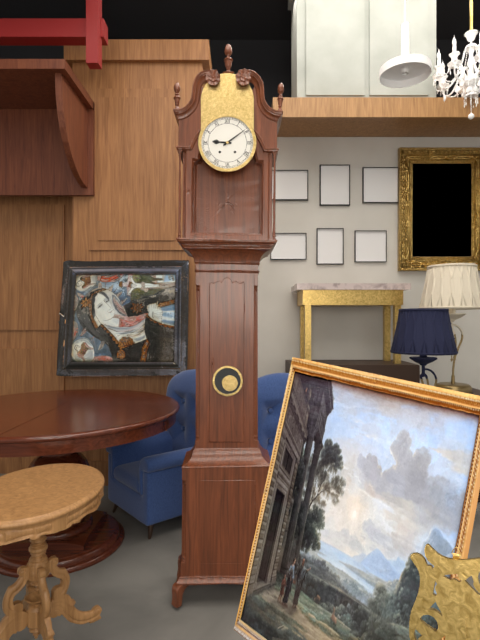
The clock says 9:09
